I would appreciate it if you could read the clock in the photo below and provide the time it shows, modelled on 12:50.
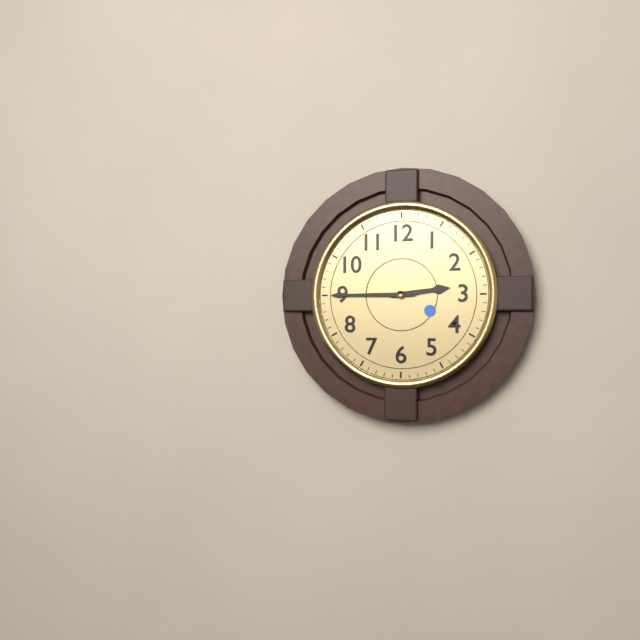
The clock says 2:45
